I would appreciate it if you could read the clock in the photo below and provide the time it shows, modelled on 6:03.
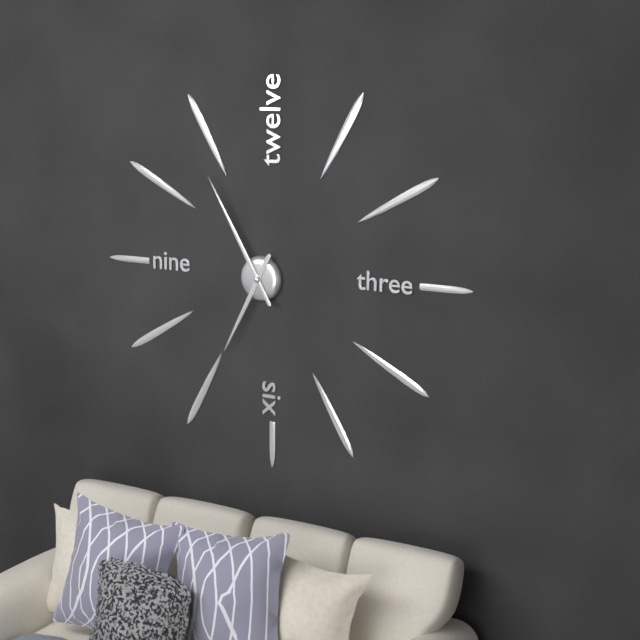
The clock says 6:55
